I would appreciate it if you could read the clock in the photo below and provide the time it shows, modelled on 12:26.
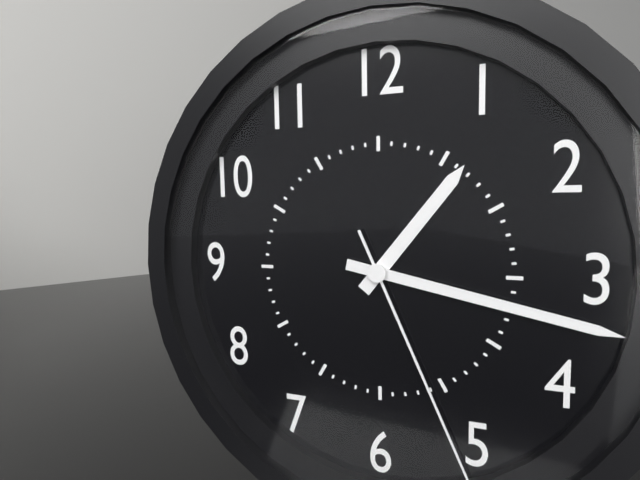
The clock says 1:17
